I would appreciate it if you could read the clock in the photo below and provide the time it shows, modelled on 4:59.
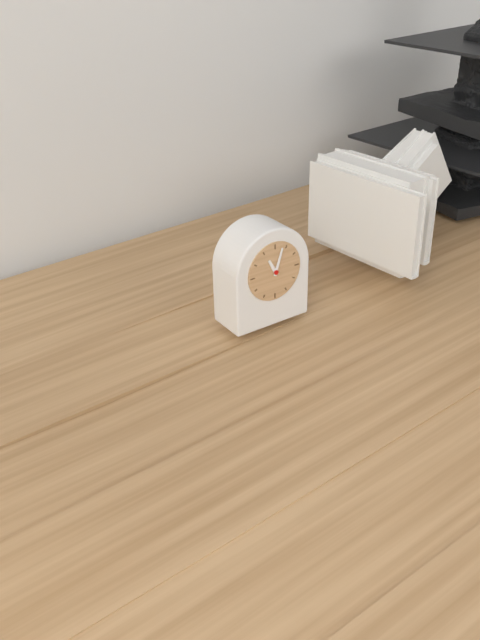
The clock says 11:03
